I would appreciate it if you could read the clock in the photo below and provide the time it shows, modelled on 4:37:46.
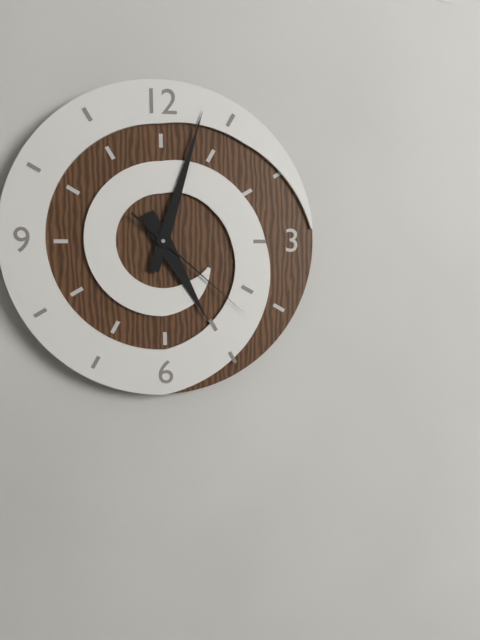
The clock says 5:03:22
